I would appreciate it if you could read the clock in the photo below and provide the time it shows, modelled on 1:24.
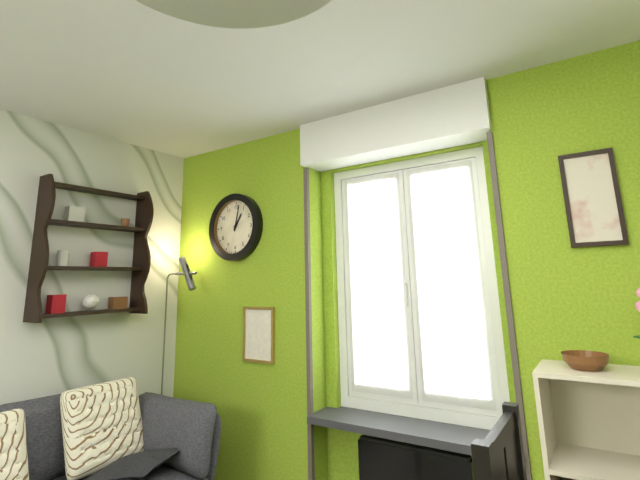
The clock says 1:02
